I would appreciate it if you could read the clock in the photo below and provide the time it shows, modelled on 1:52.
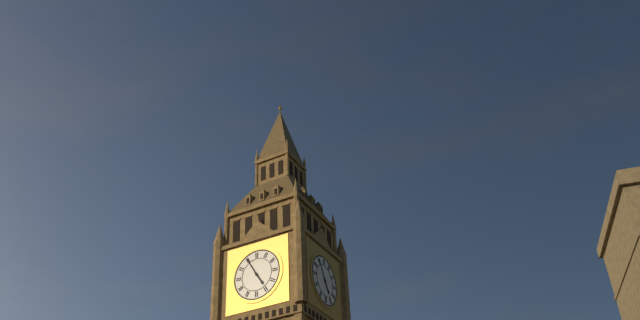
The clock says 4:55
